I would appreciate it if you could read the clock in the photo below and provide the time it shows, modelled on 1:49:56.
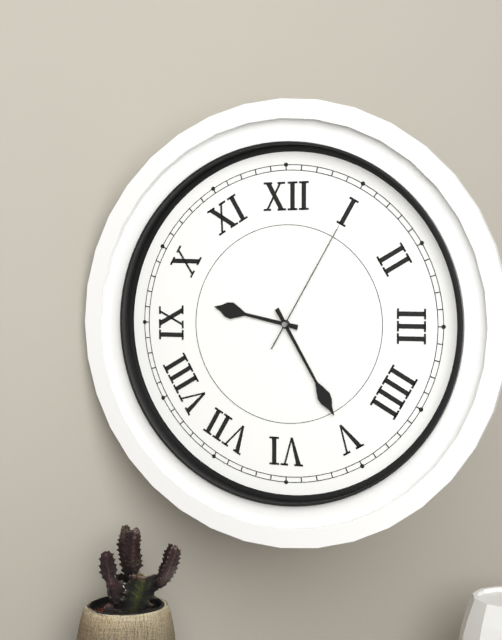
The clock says 9:25:05
